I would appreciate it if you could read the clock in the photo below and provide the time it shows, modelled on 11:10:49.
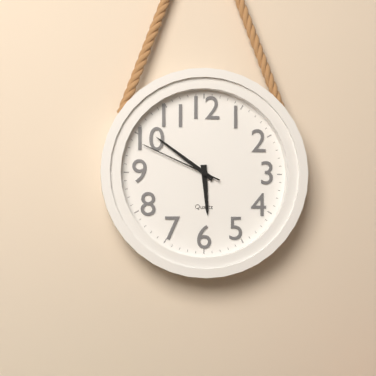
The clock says 5:51:49
